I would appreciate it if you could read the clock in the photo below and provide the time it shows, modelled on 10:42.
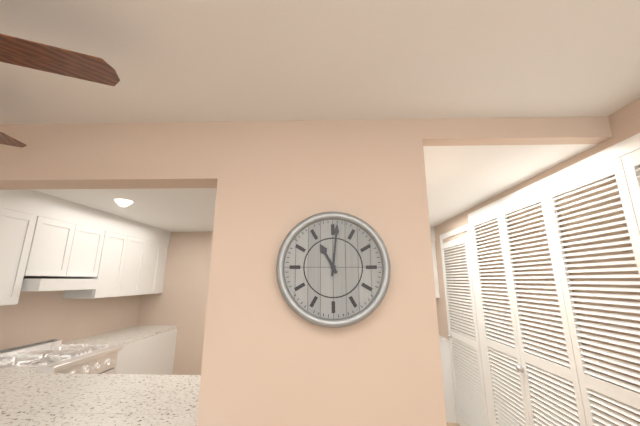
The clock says 11:01
